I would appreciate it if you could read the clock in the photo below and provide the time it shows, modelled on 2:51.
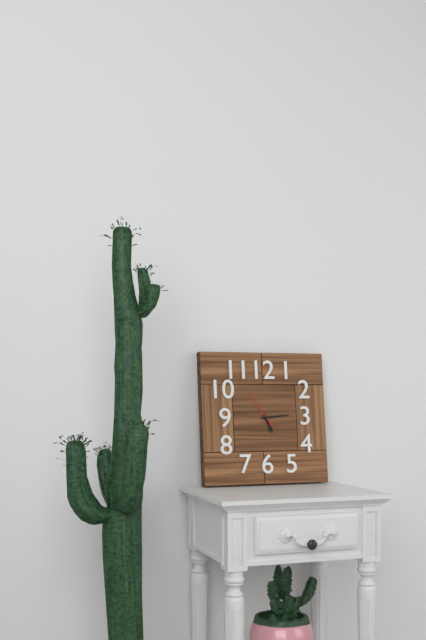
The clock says 5:14
